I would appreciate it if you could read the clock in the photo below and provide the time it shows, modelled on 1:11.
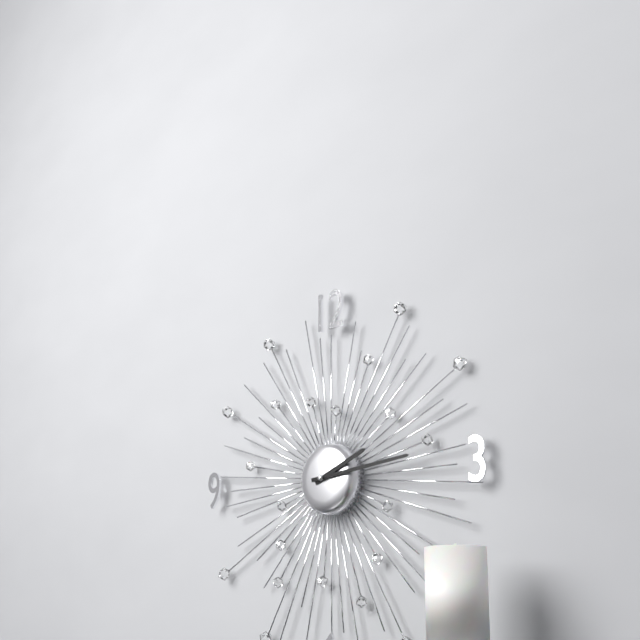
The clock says 2:14
